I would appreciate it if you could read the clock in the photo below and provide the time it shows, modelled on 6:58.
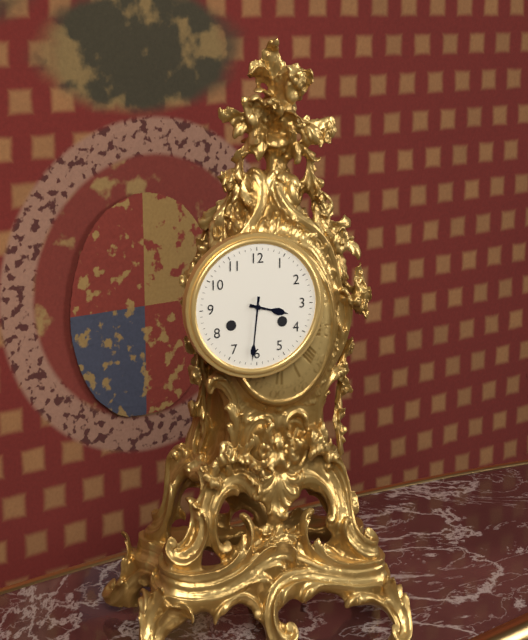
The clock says 3:31
